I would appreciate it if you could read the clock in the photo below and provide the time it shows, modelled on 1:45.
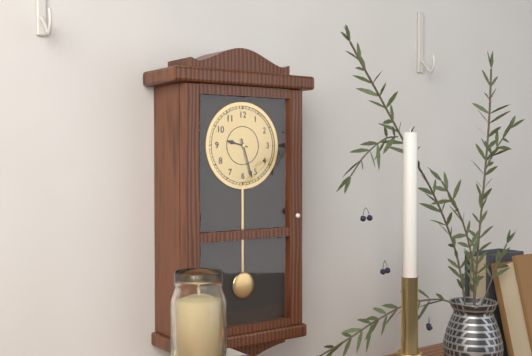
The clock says 9:27
